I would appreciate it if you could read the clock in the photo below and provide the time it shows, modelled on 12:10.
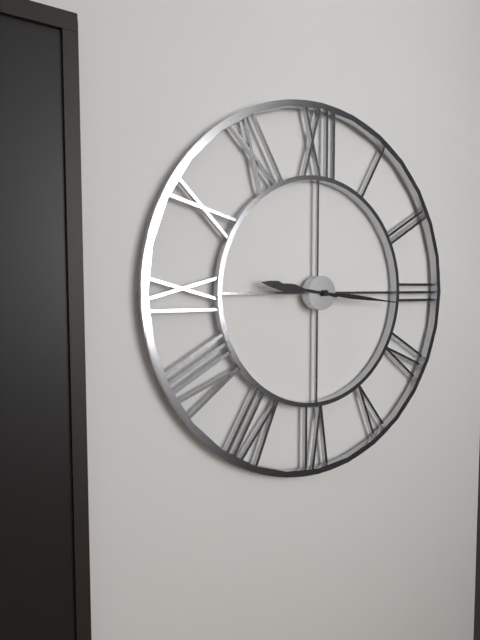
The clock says 9:16
